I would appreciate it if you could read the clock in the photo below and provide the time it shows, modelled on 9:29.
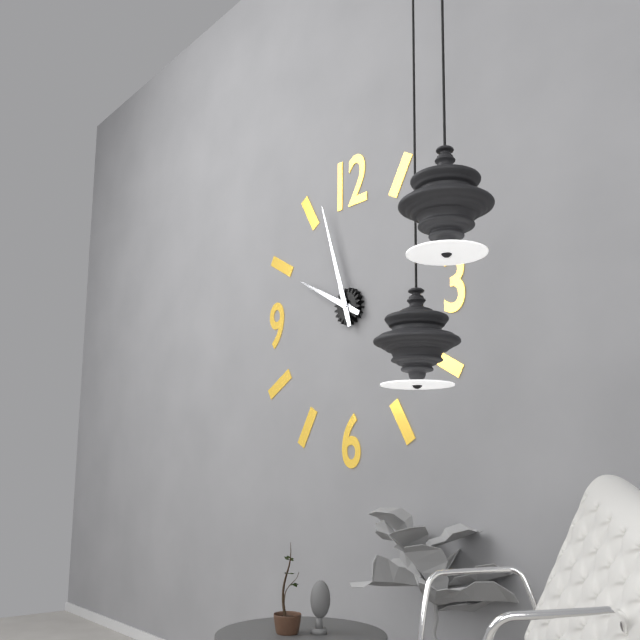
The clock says 9:57
